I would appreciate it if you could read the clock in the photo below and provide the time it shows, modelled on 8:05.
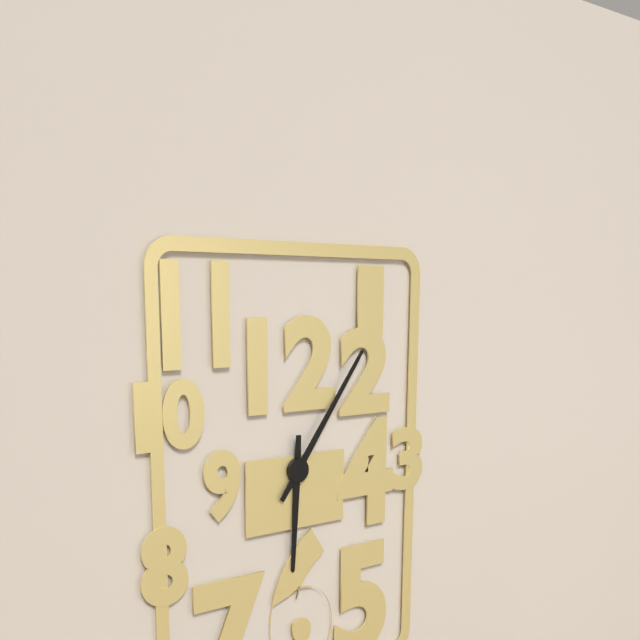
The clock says 6:06
